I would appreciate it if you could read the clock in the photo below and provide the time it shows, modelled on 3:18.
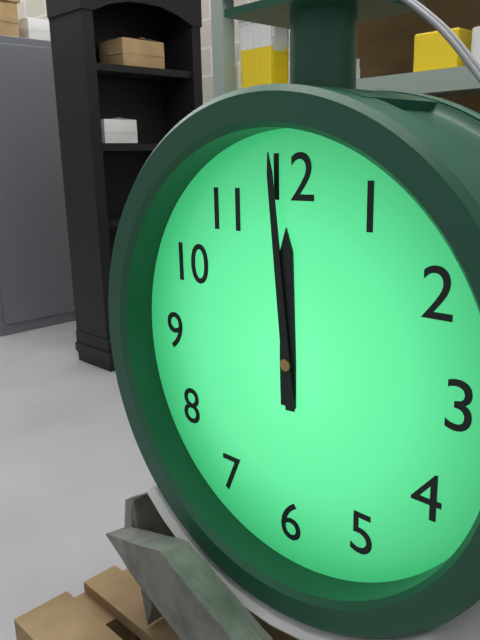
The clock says 11:59
